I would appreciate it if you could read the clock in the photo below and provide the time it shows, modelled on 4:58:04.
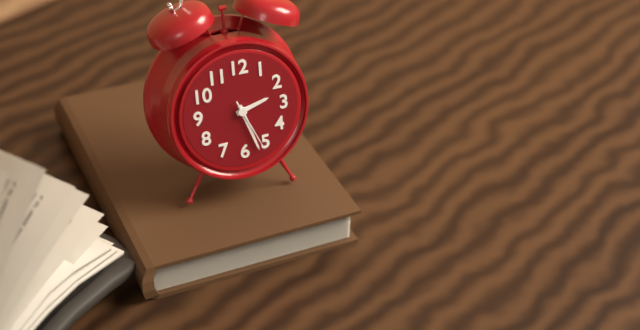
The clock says 2:27:26
